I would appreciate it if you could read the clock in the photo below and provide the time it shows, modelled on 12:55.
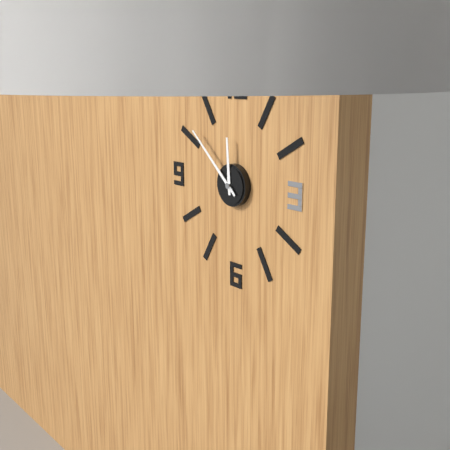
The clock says 11:52
